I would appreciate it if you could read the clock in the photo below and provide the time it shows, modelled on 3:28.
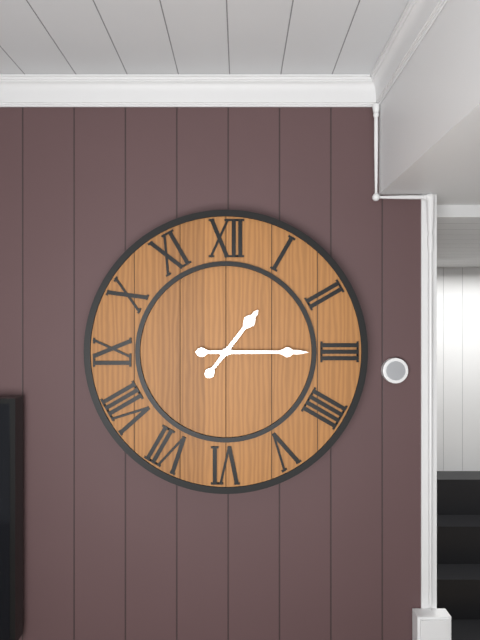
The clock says 1:15
